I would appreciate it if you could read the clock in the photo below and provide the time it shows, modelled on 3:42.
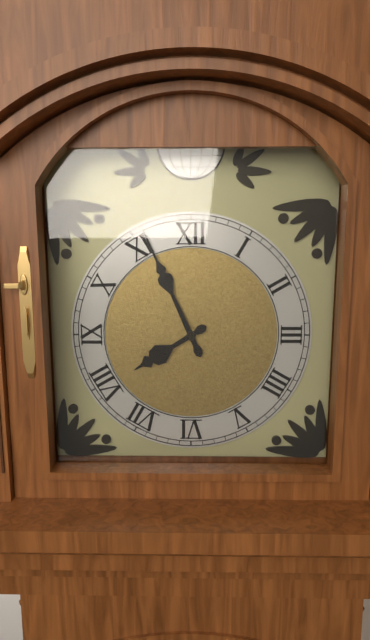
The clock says 7:56
